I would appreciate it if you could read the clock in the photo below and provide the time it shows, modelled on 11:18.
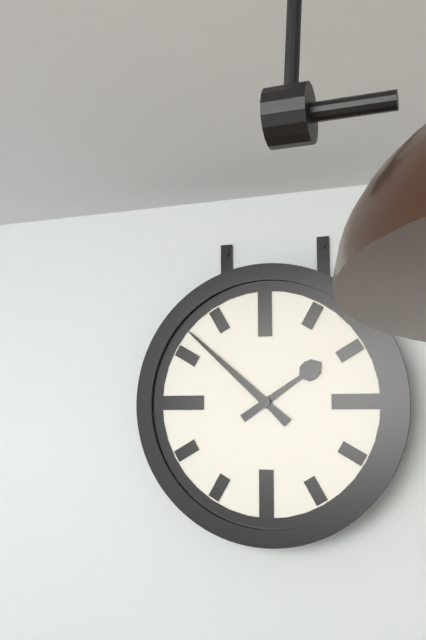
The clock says 1:52
